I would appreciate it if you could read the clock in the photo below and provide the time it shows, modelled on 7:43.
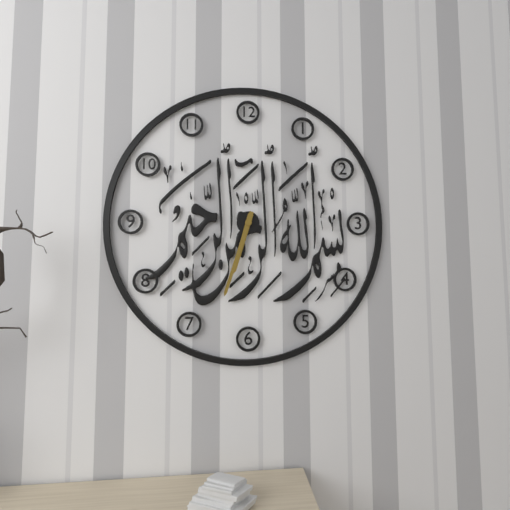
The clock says 6:33
